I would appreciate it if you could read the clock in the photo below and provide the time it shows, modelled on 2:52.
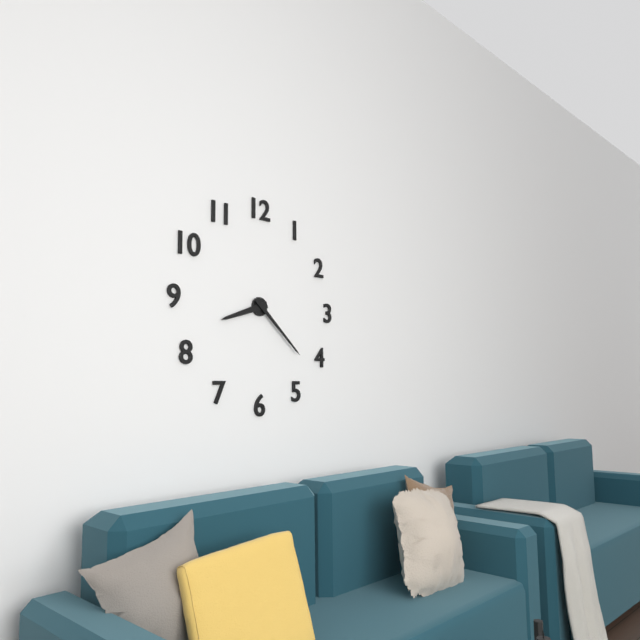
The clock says 8:22
